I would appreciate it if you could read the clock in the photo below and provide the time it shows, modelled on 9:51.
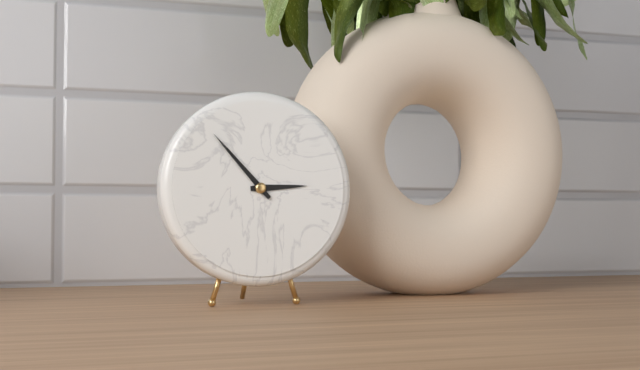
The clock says 2:53
